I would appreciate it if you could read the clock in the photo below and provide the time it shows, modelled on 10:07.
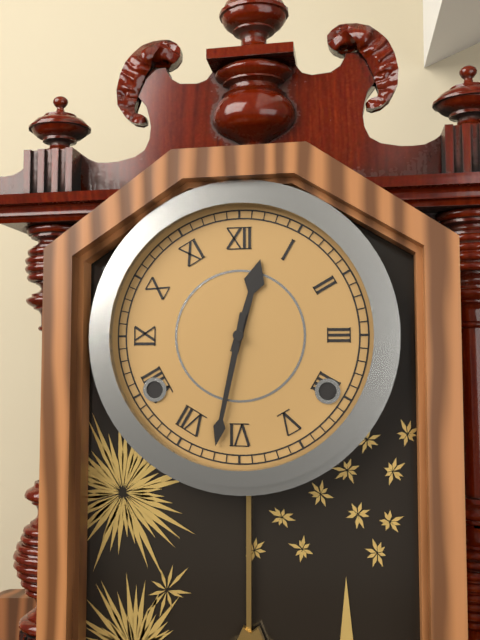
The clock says 12:32
